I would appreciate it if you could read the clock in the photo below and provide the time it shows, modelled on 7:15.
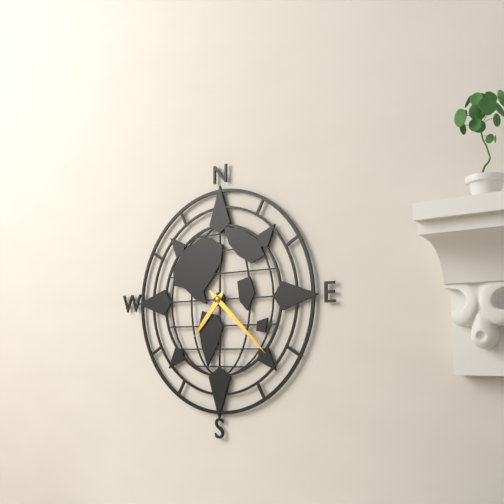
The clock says 7:22
